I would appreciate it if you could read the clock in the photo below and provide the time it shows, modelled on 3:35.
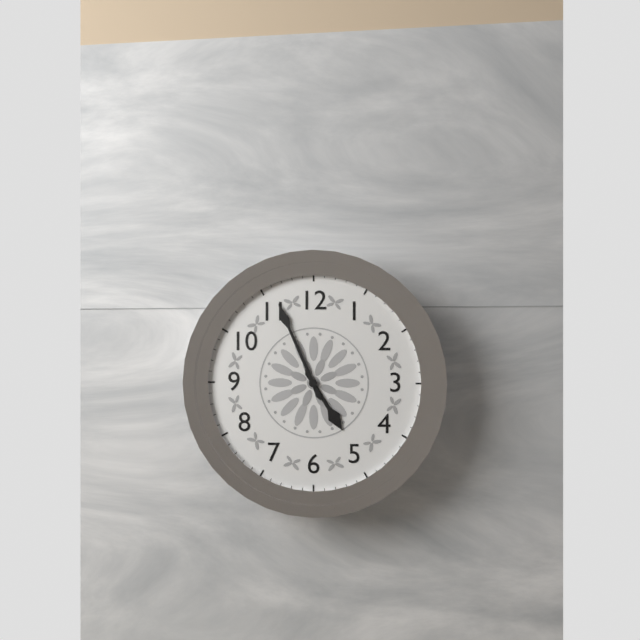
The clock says 4:56
